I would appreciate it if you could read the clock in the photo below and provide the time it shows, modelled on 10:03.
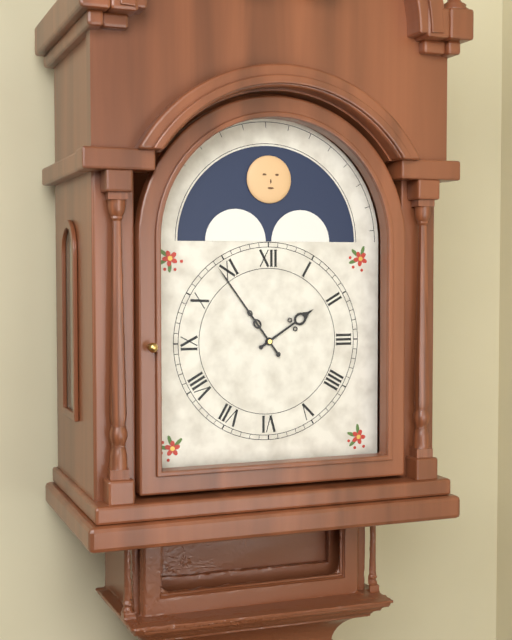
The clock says 1:54
